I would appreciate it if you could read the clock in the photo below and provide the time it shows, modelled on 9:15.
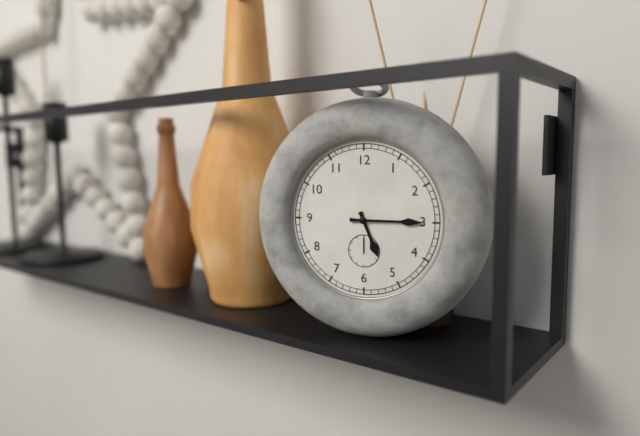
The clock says 5:15
